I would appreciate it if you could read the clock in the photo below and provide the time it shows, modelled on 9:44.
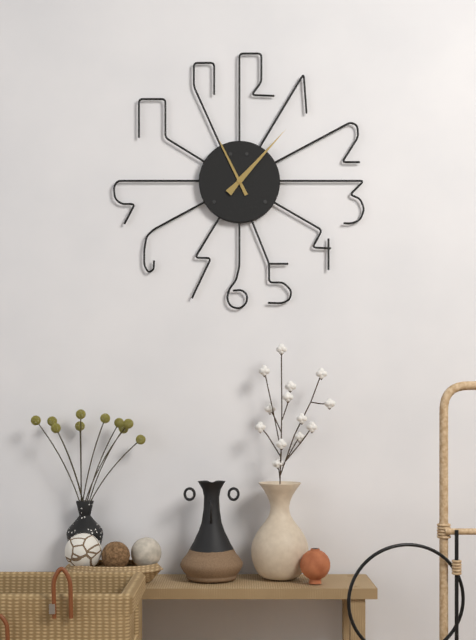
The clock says 11:07
